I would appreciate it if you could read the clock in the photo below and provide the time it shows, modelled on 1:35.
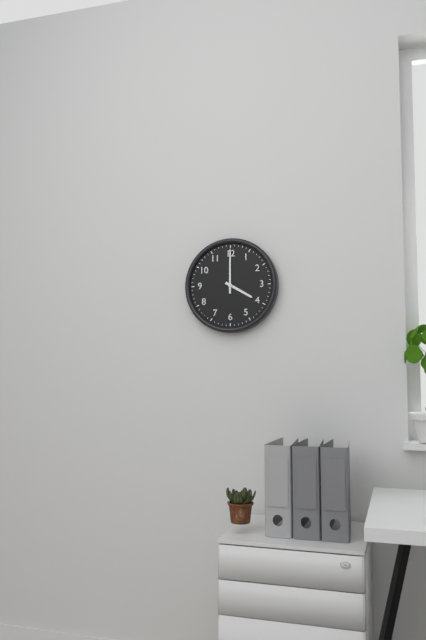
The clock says 4:00
